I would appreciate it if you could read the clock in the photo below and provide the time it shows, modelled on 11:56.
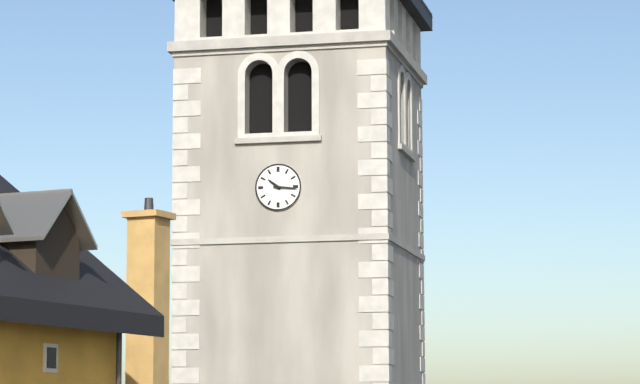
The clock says 10:16
